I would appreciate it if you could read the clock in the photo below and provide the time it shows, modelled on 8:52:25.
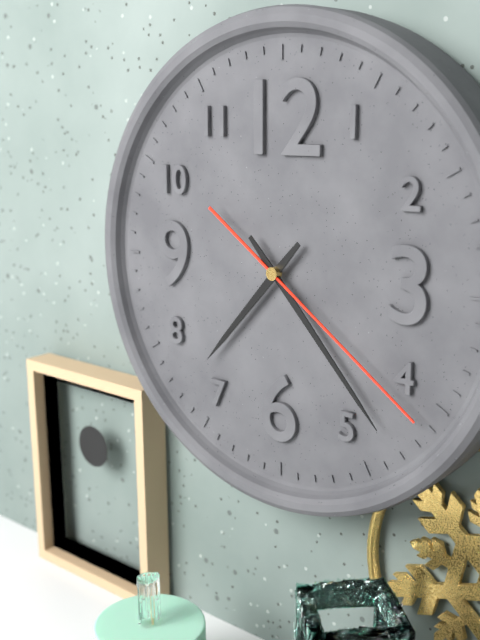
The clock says 7:23:21
